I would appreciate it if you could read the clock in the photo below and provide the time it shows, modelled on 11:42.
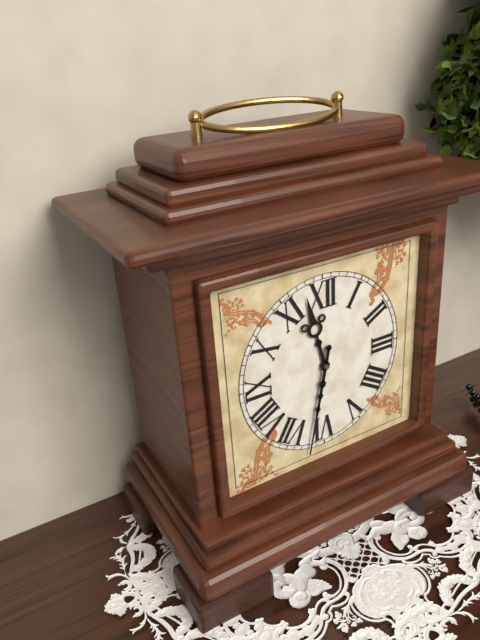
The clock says 11:32
